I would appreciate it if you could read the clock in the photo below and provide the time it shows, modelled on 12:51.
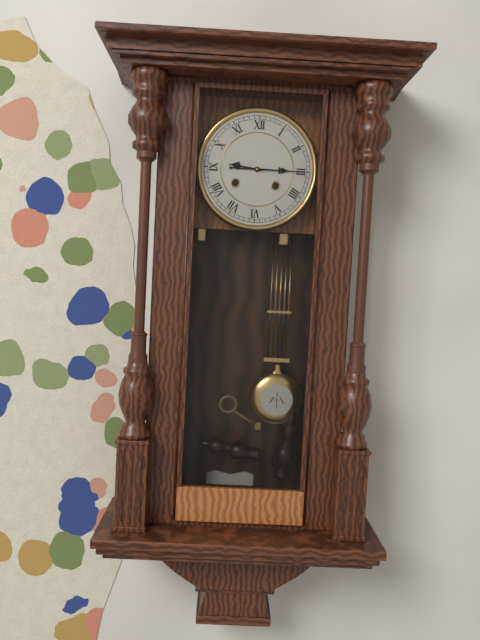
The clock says 9:15
